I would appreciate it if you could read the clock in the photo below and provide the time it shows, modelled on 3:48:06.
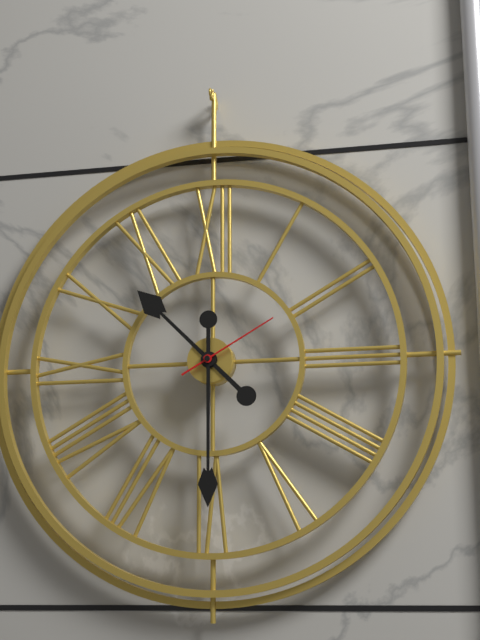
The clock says 10:30:10
